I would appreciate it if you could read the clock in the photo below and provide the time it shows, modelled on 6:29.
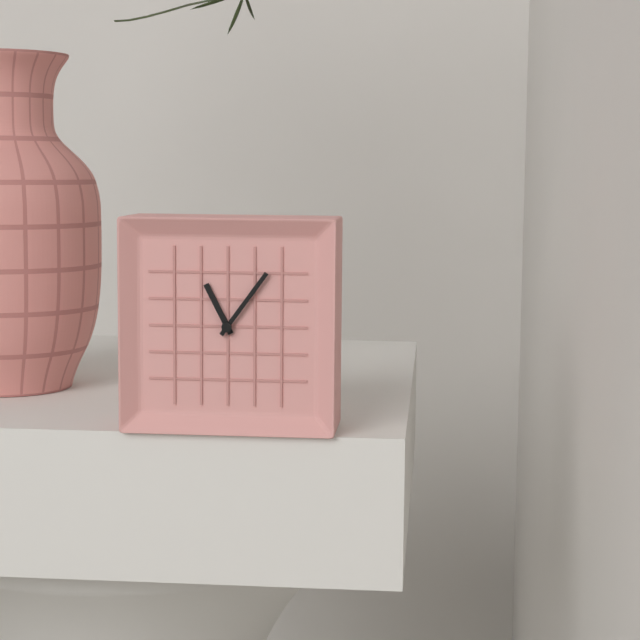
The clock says 11:06
